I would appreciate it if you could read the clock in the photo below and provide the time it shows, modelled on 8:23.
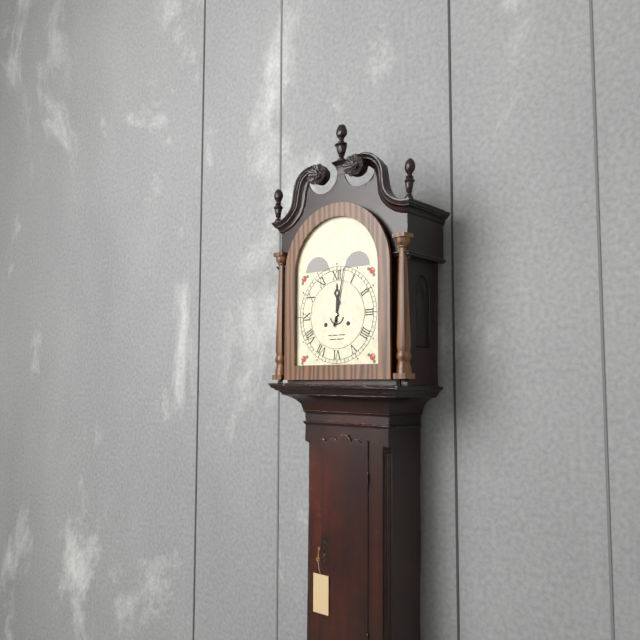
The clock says 12:02
